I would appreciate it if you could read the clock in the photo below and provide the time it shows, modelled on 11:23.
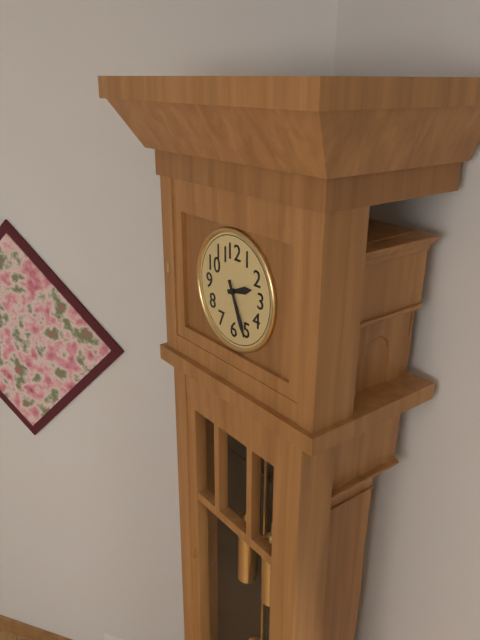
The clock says 2:26
